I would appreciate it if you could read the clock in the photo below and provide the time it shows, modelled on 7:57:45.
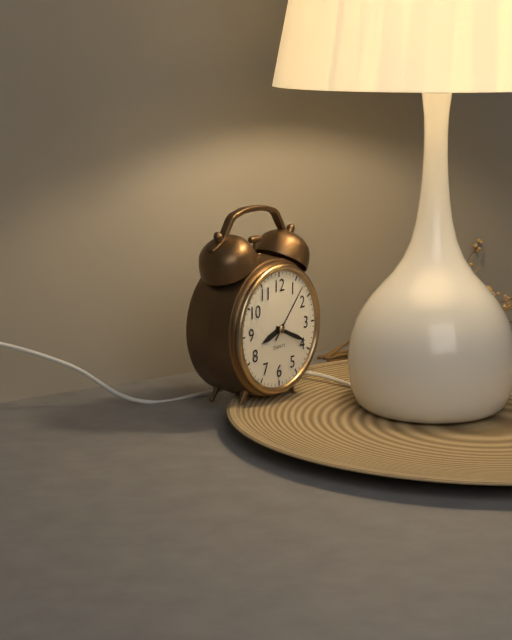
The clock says 8:19:07
